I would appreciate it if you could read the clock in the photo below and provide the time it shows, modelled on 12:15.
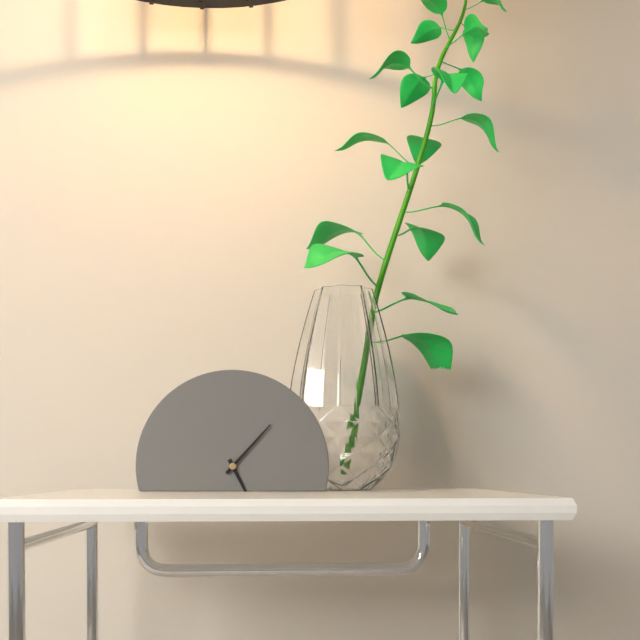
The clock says 5:07
